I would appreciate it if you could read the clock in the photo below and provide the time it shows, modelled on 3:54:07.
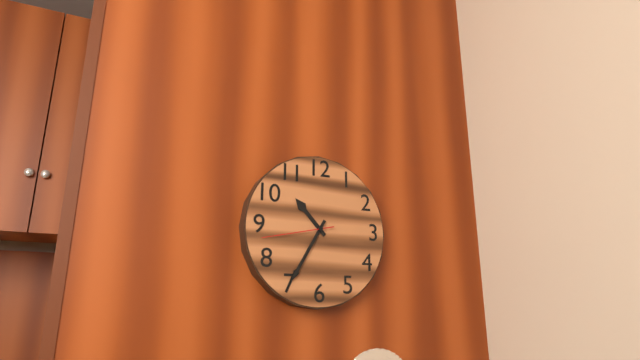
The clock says 10:35:43
